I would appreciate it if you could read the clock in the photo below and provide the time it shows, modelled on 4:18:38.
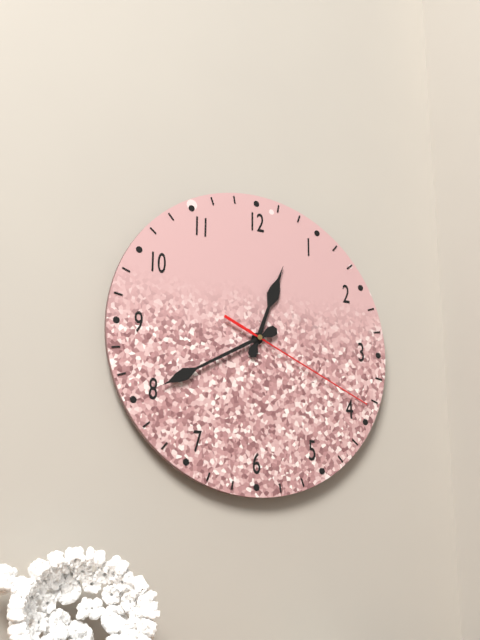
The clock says 12:40:19
